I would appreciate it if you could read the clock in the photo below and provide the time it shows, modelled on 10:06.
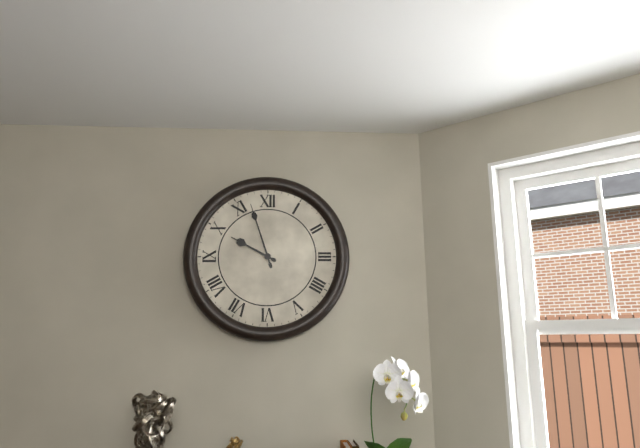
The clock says 9:57
